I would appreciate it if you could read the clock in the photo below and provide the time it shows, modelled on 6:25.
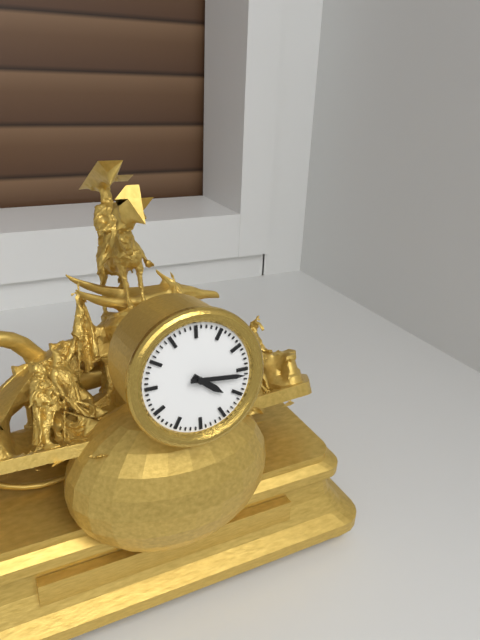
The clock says 4:16
